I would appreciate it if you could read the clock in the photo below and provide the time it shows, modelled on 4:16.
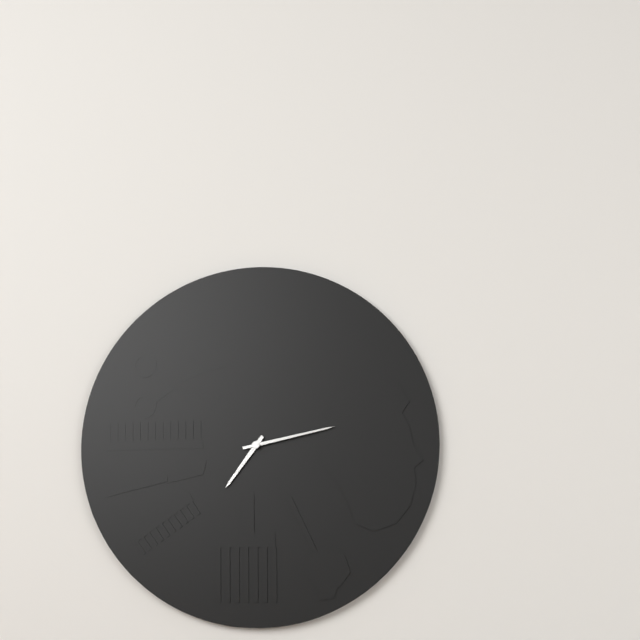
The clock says 7:13
